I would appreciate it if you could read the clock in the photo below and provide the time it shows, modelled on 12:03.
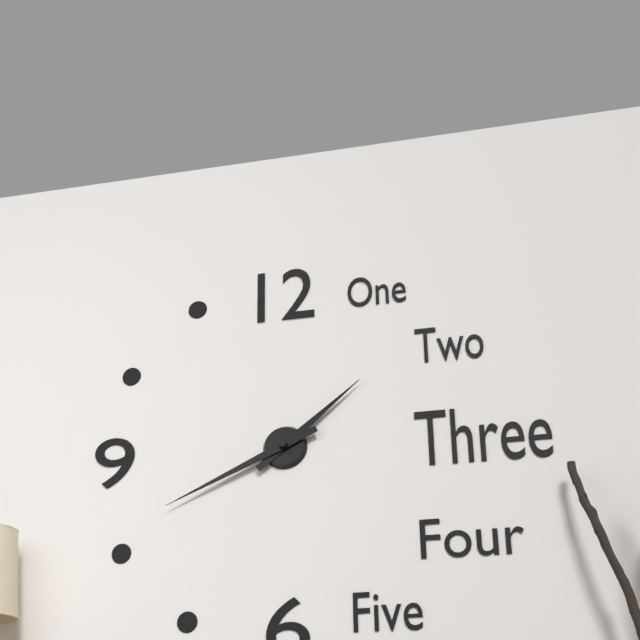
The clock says 1:41
